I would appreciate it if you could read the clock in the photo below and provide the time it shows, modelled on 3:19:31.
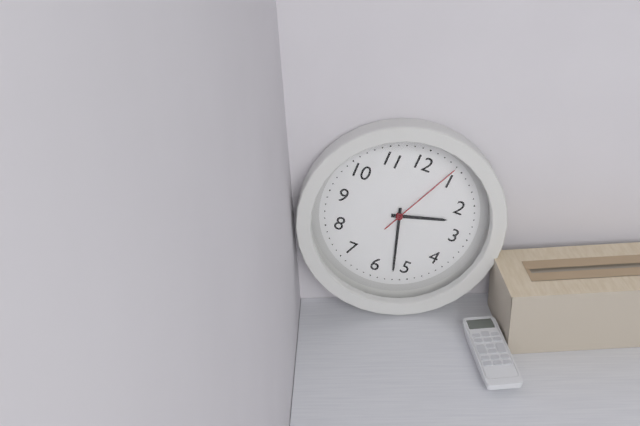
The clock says 2:27:04
